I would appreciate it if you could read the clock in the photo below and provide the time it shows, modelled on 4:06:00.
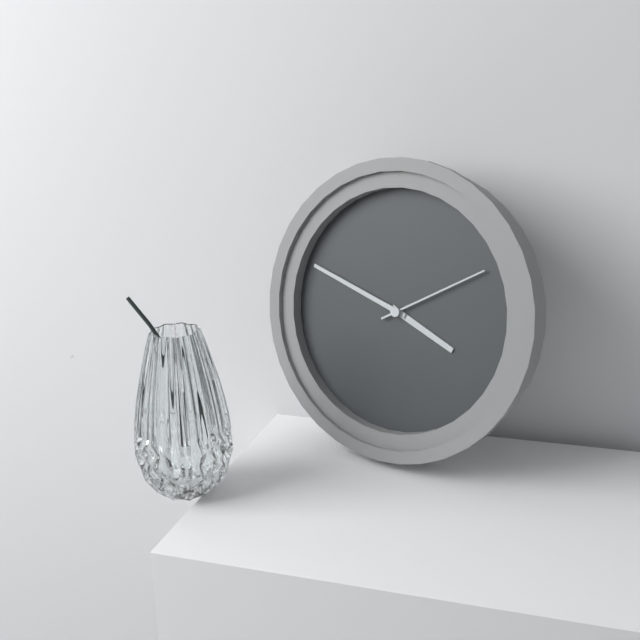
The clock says 3:48:10
